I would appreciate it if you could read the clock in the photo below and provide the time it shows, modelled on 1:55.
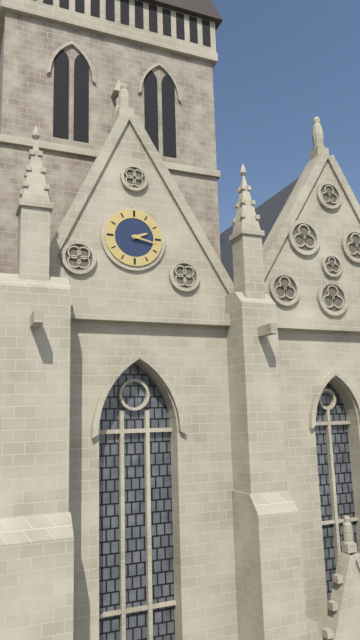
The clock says 2:17
